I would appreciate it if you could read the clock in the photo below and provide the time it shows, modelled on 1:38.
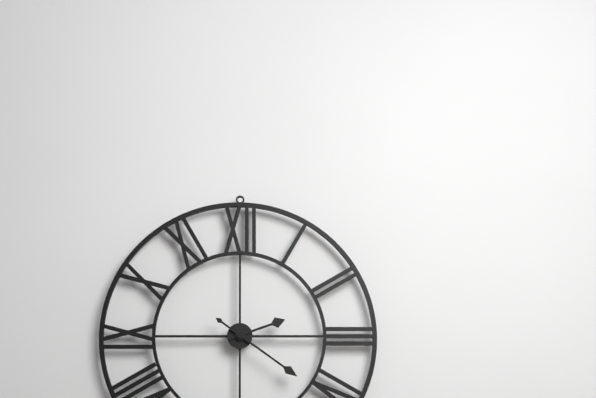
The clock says 2:21
